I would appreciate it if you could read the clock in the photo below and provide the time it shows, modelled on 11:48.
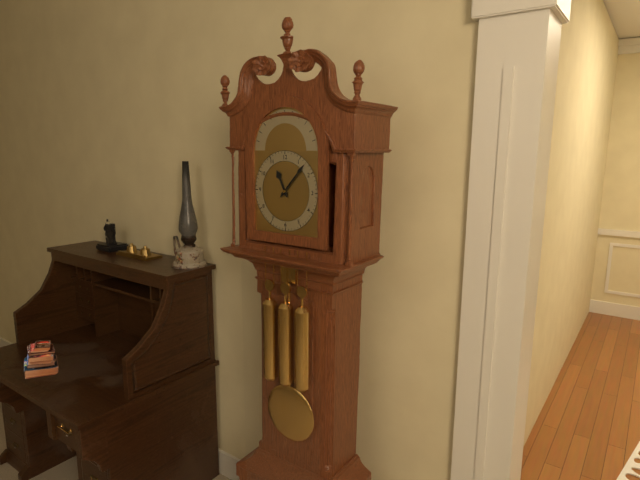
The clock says 11:07
